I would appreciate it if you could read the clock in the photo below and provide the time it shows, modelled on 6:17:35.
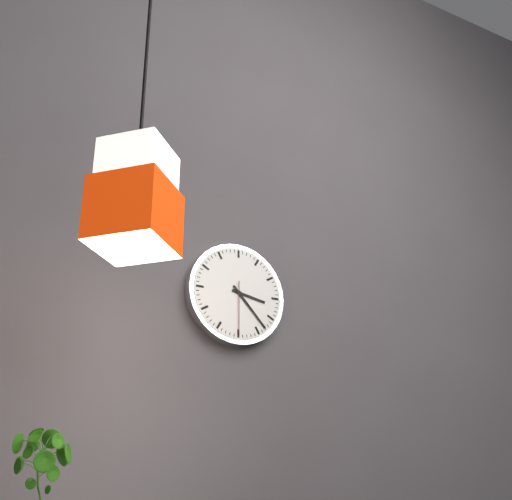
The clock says 3:23:30
